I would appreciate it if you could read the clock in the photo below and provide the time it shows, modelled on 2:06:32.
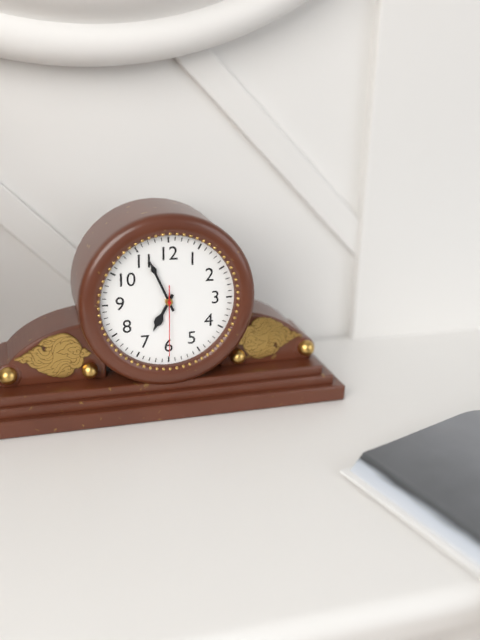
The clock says 6:56:30
